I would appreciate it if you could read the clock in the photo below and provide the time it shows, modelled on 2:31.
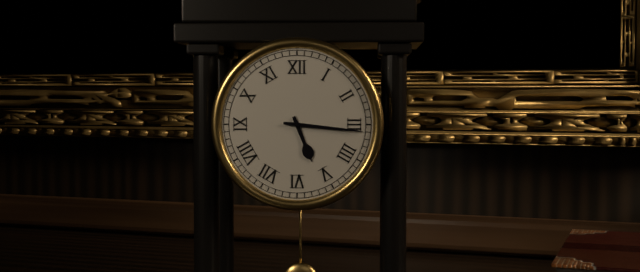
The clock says 5:16
